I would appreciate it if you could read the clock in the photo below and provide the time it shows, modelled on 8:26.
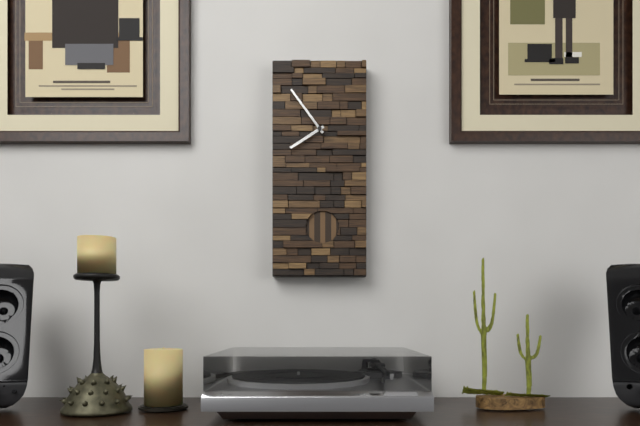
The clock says 7:54
